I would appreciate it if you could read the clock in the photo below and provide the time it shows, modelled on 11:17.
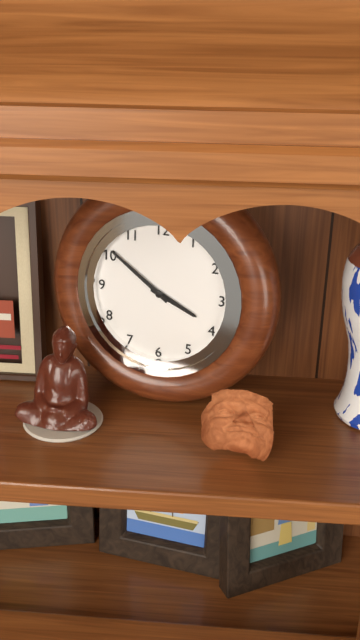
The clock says 3:51
